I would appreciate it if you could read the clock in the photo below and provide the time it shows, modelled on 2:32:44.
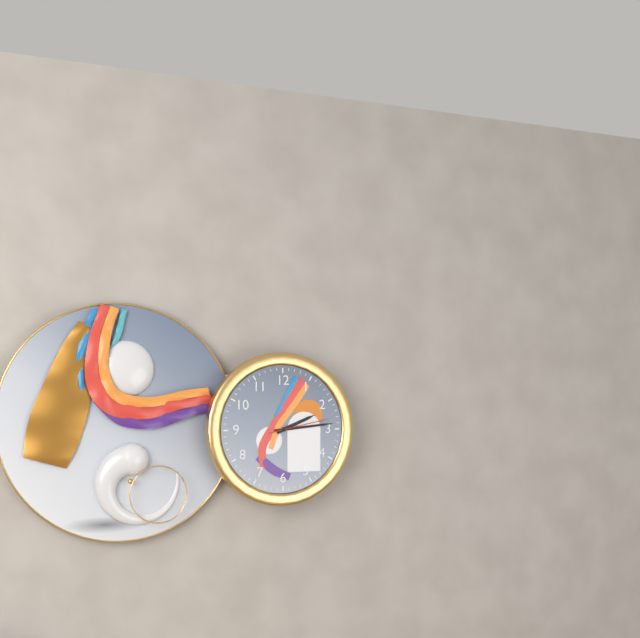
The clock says 2:14:13
